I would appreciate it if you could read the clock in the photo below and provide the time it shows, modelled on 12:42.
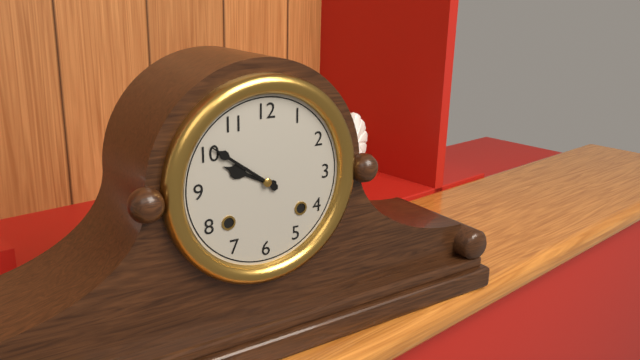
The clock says 9:51
